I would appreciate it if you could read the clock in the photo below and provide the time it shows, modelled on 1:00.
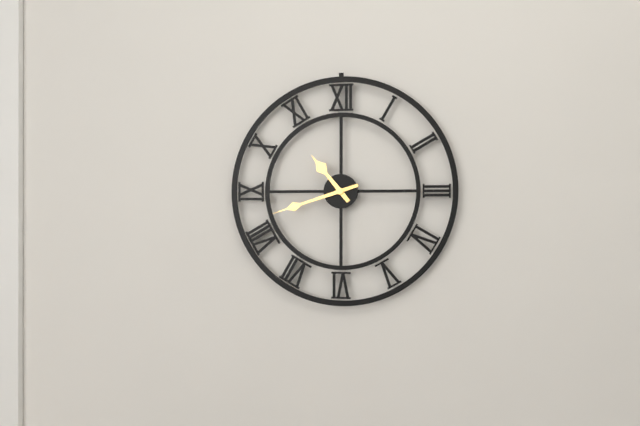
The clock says 10:42
